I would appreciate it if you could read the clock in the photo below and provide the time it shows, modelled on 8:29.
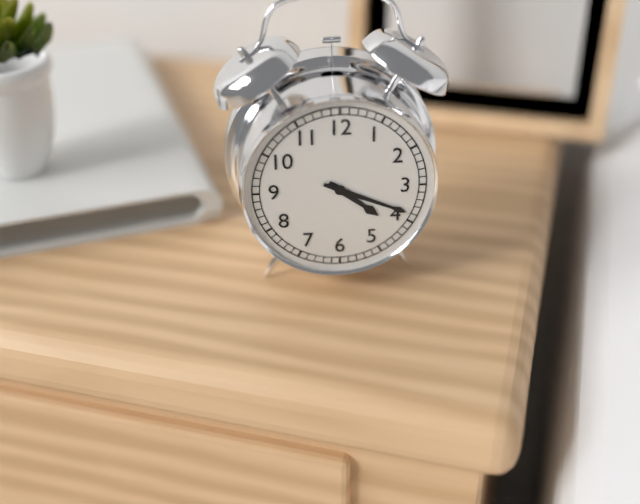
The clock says 4:19
